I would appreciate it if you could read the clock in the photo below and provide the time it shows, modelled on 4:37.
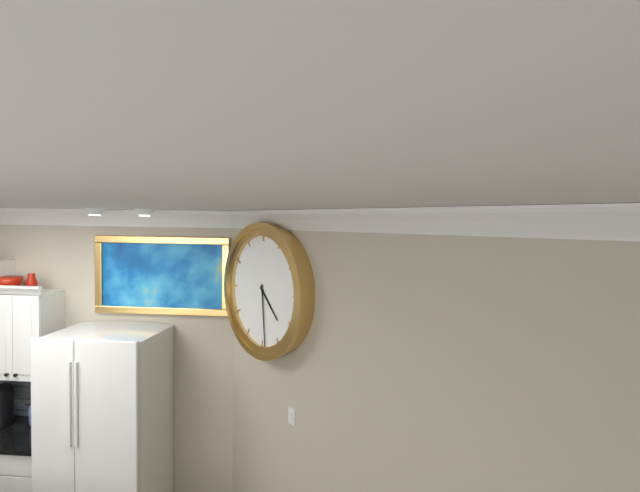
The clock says 4:29
